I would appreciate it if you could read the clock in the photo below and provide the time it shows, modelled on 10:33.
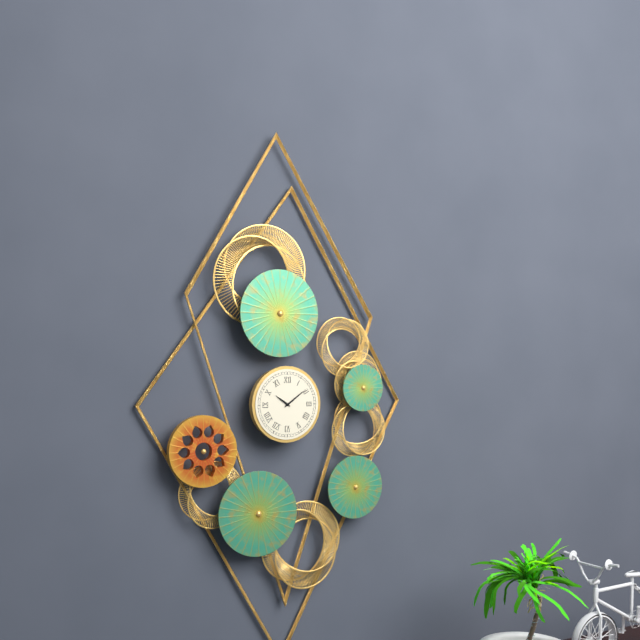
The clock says 10:09
